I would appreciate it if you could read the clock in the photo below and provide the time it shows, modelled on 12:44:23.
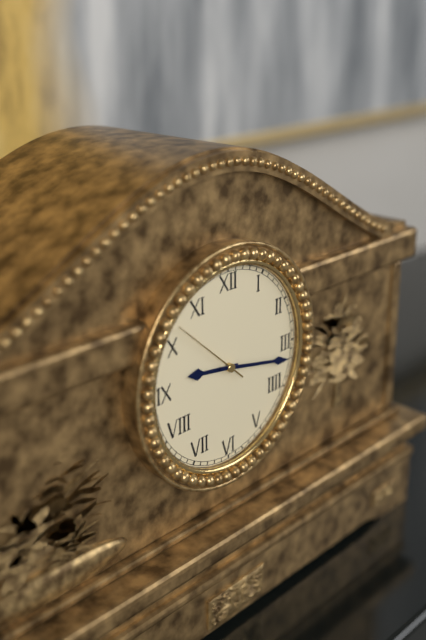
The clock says 9:17:52
